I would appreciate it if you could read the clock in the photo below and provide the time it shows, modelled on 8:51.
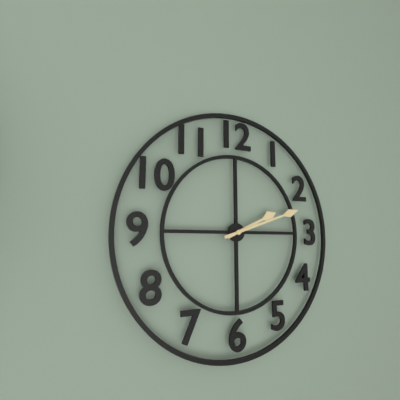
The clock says 2:12
